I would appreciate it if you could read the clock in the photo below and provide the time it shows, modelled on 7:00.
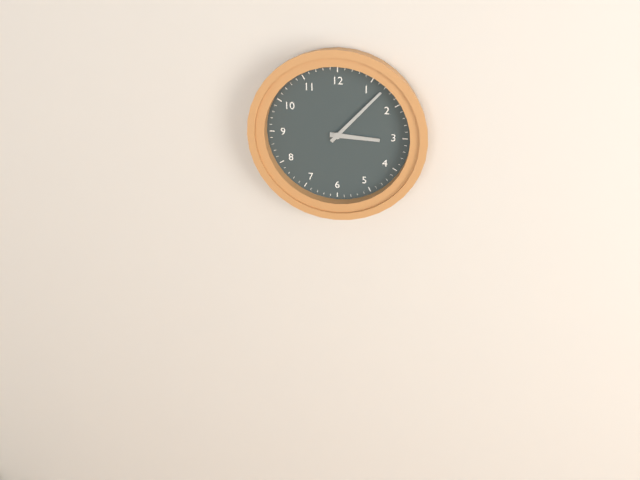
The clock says 3:07
